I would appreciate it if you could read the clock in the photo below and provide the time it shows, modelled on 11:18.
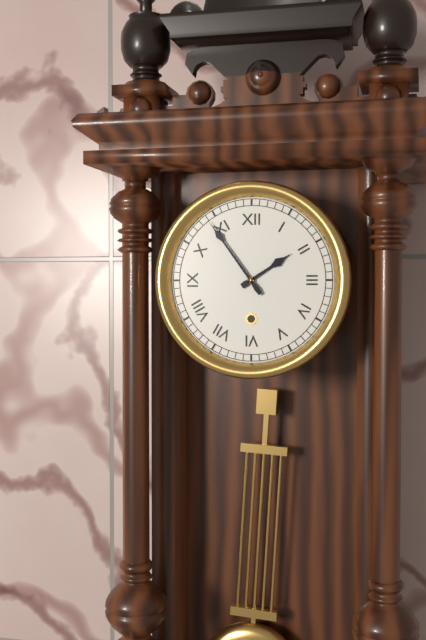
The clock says 1:54
